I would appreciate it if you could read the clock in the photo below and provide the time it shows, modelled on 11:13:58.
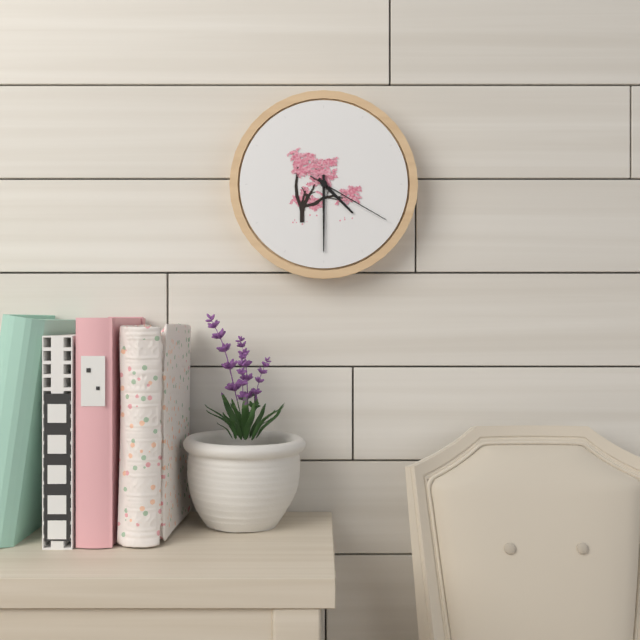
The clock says 4:30:20
